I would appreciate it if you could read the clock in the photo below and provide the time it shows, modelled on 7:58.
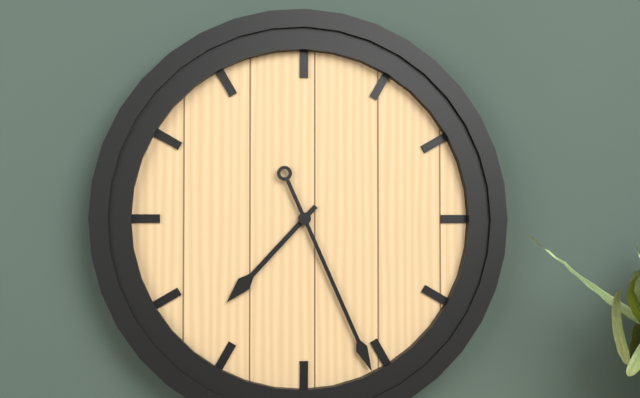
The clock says 7:26
